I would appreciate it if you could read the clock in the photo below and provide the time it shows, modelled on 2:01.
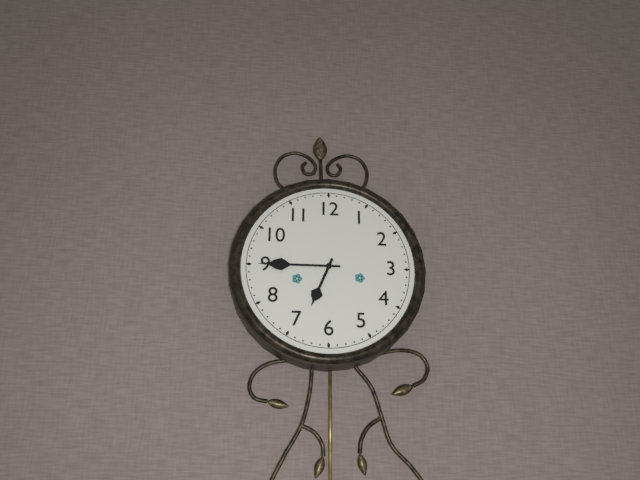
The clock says 6:45
